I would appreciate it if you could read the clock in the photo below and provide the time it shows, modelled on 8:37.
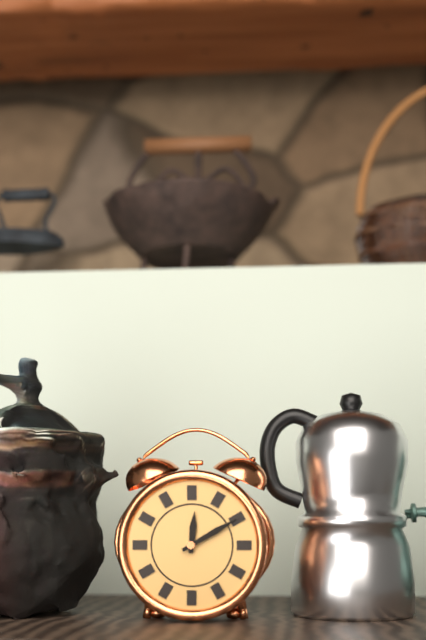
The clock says 12:10
